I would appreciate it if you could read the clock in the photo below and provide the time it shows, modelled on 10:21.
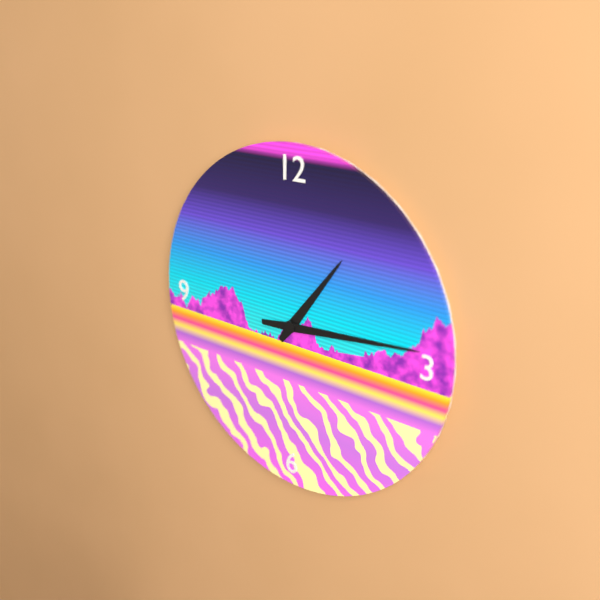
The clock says 1:14
